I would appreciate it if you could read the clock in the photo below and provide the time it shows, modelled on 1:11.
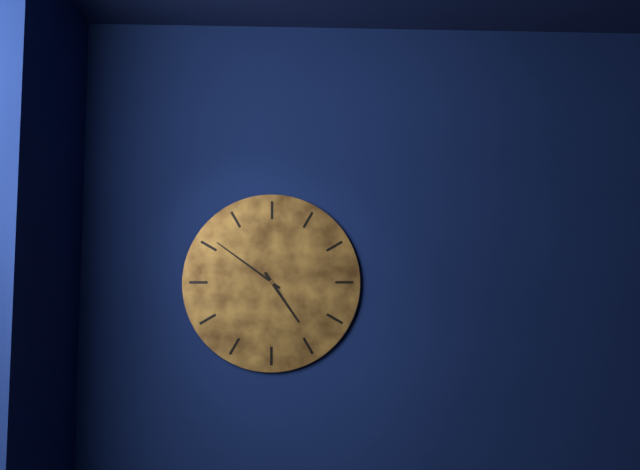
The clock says 4:51
